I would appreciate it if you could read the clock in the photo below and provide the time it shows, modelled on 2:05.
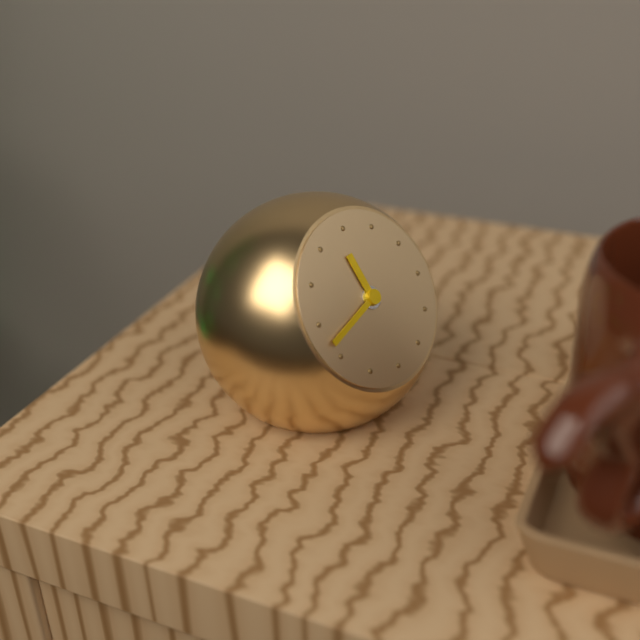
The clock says 11:42
